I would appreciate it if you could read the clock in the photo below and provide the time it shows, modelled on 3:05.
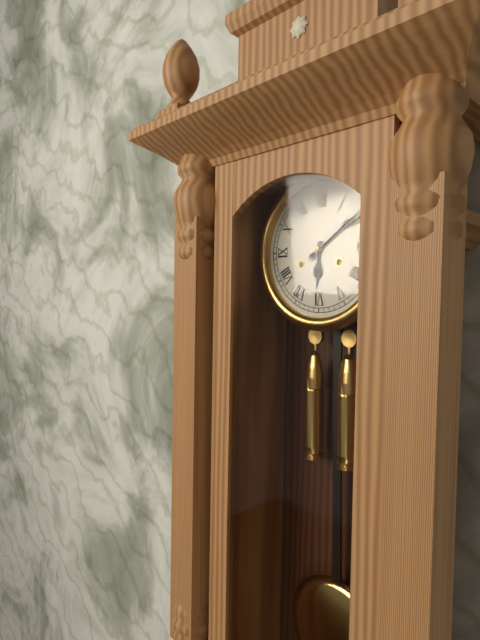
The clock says 6:09
